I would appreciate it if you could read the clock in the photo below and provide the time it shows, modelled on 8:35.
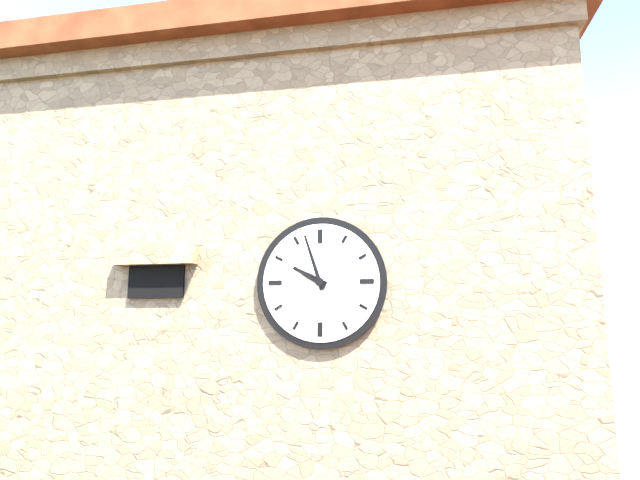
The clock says 9:57
